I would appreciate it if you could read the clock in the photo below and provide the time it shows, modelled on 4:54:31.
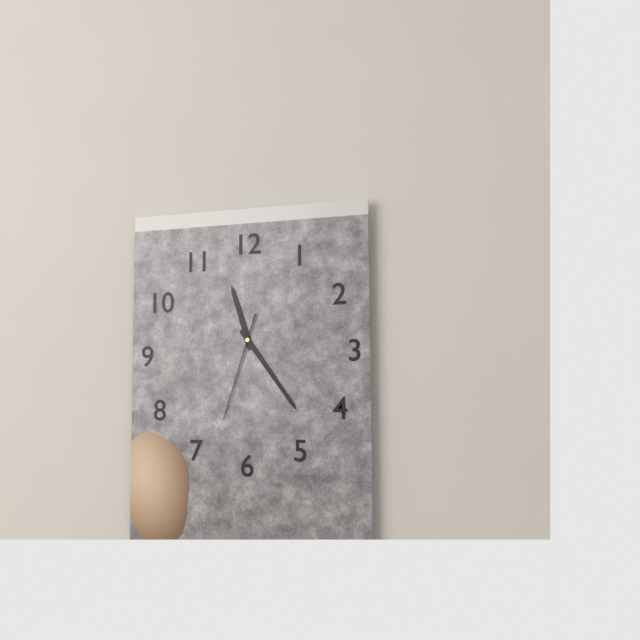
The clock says 11:24:33
